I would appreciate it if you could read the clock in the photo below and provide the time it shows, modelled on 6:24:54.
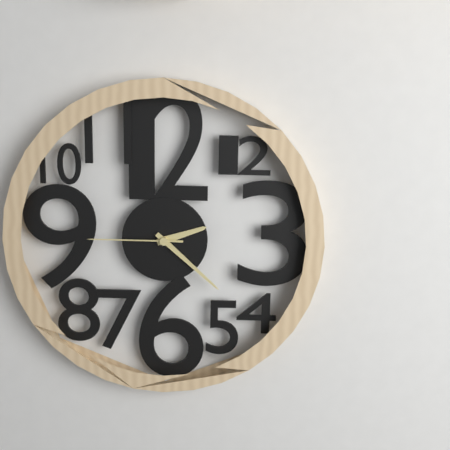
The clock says 2:22:45
